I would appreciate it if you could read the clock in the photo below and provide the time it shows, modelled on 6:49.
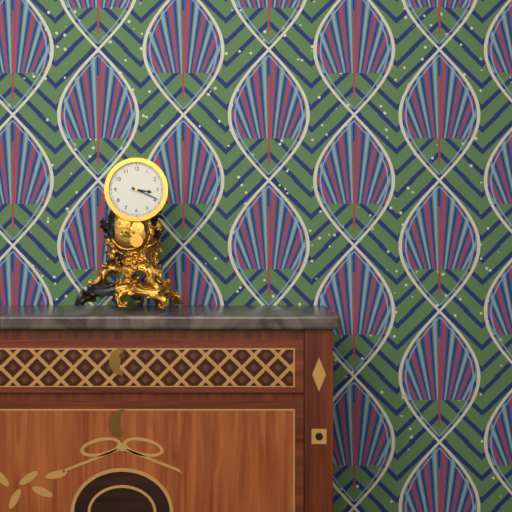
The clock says 3:19
